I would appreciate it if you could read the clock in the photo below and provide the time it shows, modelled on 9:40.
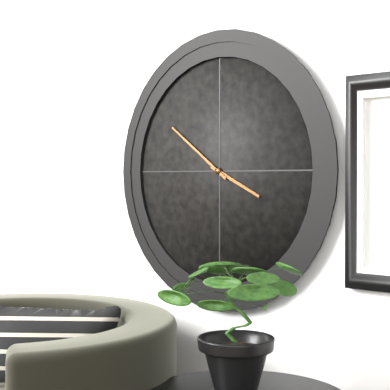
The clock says 3:51
